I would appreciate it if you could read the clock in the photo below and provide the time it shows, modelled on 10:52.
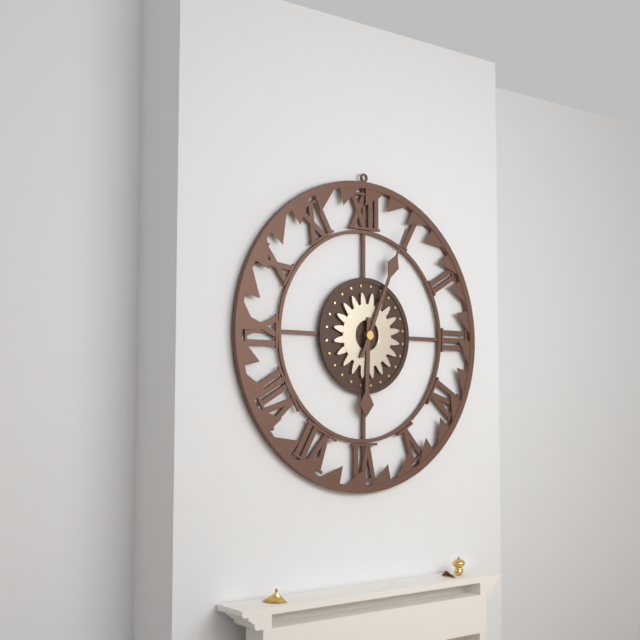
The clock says 6:04
